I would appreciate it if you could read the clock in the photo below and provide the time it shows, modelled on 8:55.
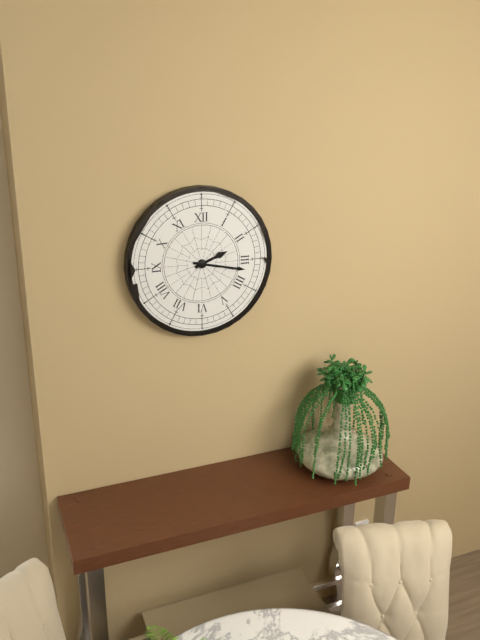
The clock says 2:17
